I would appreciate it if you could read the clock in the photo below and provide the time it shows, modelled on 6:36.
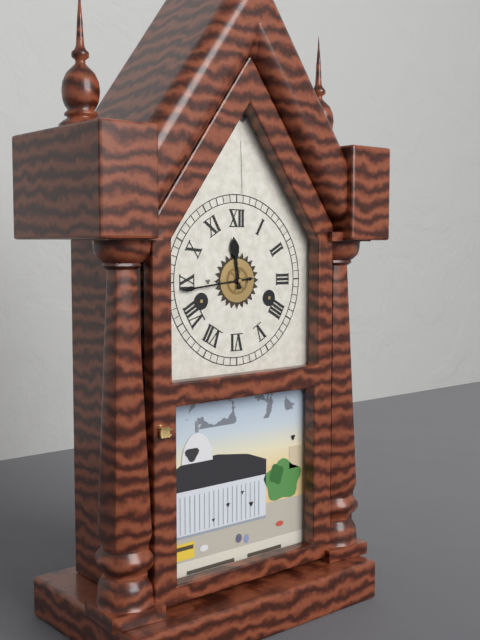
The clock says 11:44
